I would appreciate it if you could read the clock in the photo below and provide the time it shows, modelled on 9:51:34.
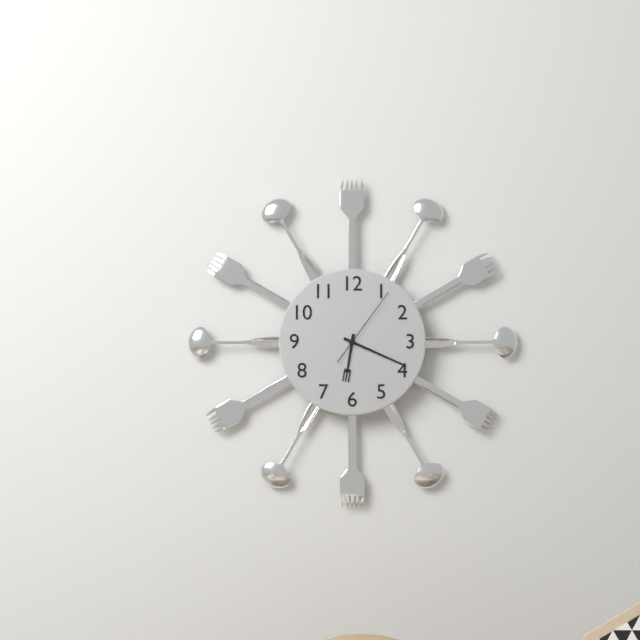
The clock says 6:19:06
